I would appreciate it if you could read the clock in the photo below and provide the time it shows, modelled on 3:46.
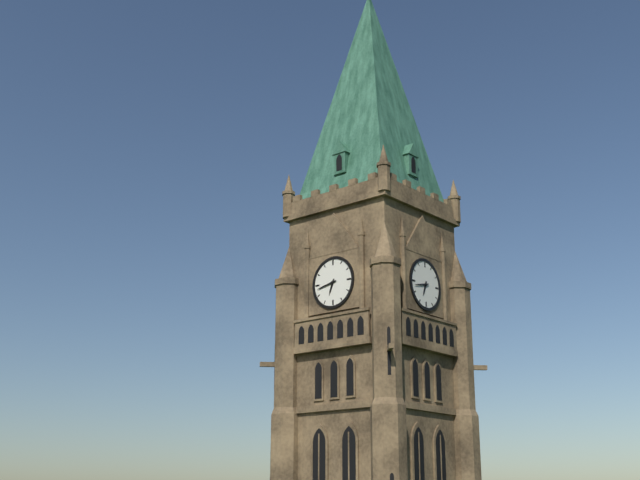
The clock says 6:43
